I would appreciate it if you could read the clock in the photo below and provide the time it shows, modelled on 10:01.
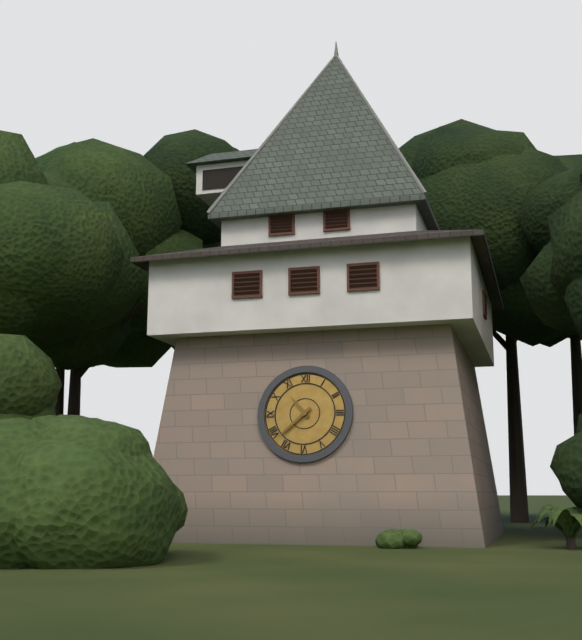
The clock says 10:38
